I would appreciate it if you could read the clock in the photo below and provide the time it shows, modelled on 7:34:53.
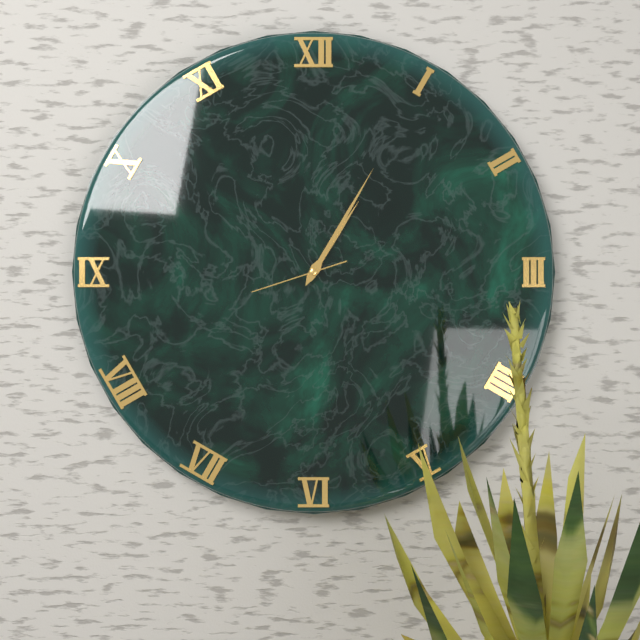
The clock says 1:05:42
